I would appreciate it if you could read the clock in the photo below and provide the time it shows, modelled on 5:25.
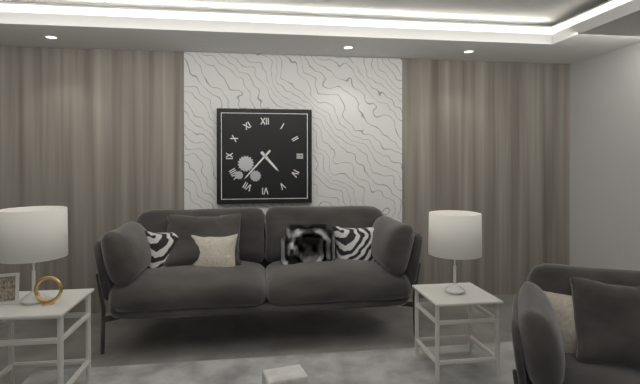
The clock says 4:37
